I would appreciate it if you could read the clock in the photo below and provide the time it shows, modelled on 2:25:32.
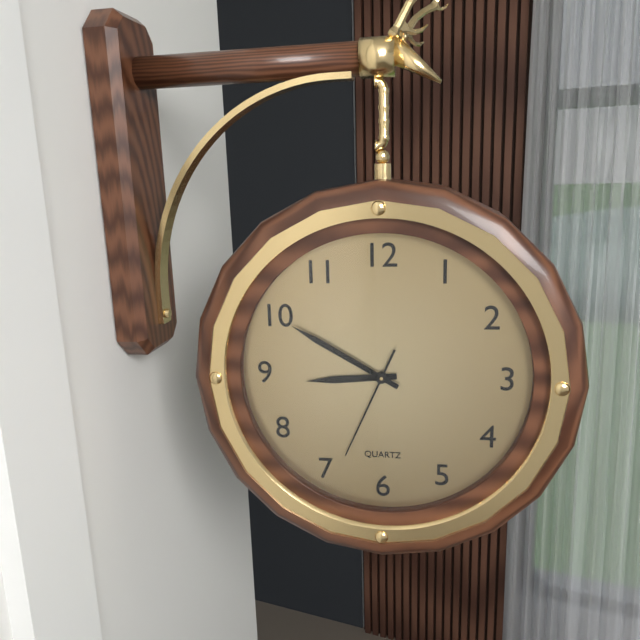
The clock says 8:50:34
